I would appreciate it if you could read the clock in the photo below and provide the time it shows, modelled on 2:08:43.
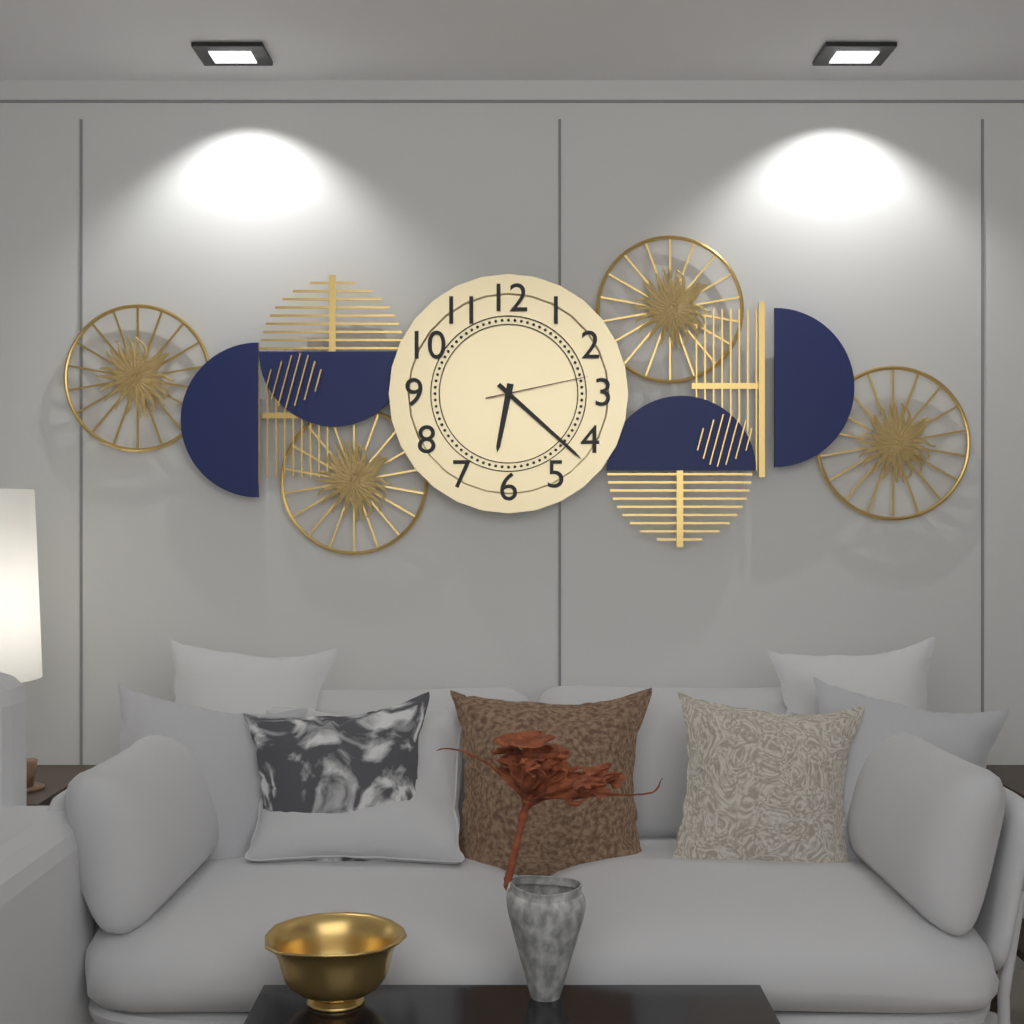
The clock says 6:22:13
